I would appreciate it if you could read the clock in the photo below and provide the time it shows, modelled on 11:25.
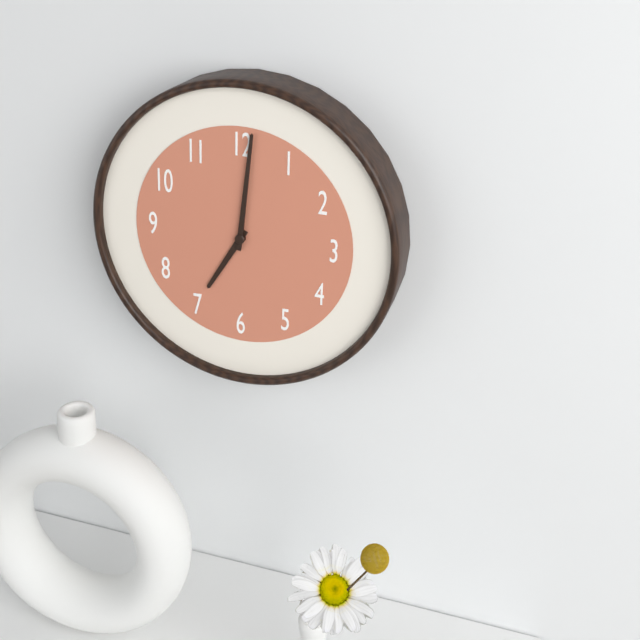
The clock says 7:01
